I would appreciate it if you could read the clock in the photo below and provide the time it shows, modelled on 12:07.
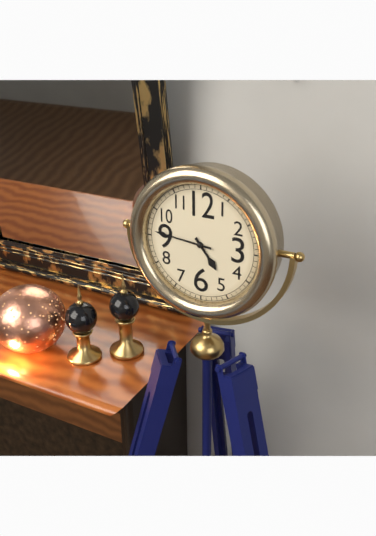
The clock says 4:46
